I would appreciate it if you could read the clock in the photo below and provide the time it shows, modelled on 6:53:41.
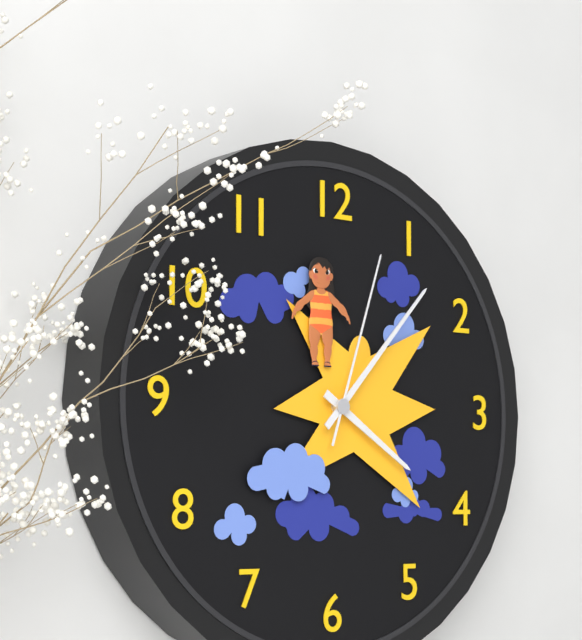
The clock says 4:07:03
